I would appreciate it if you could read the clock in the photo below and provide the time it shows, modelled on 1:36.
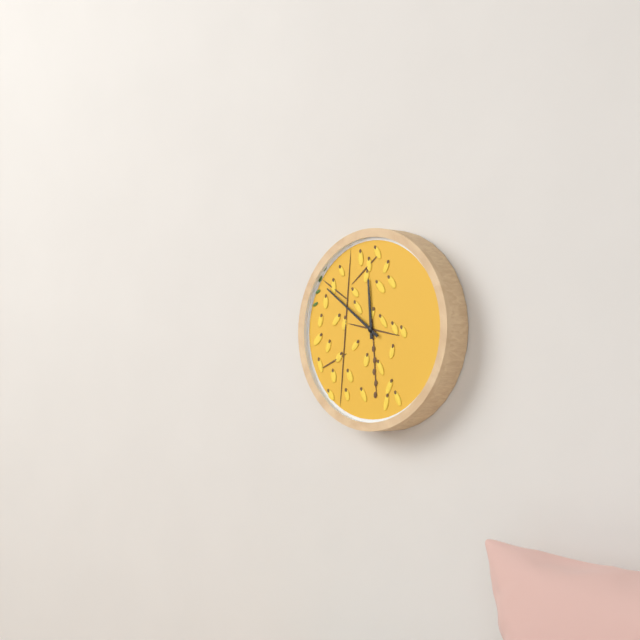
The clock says 11:51
